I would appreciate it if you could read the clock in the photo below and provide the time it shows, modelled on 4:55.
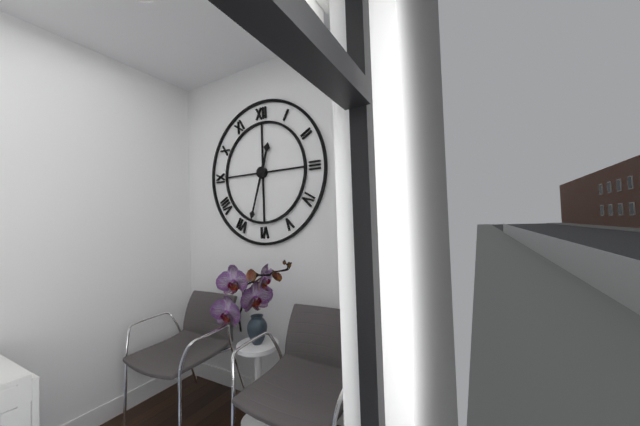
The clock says 12:33
